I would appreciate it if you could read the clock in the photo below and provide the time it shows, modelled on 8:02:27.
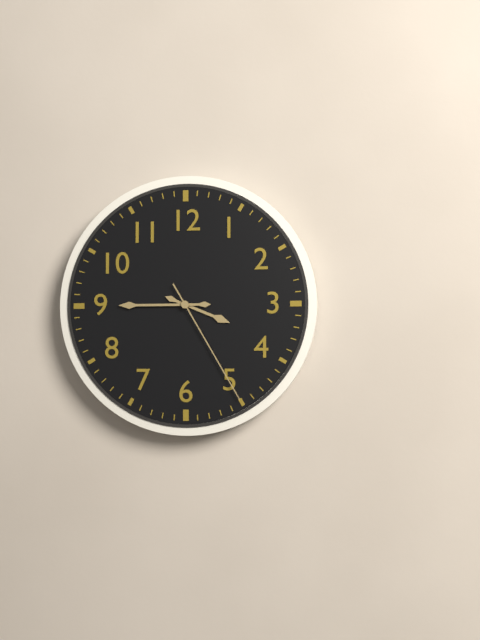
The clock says 3:45:25
